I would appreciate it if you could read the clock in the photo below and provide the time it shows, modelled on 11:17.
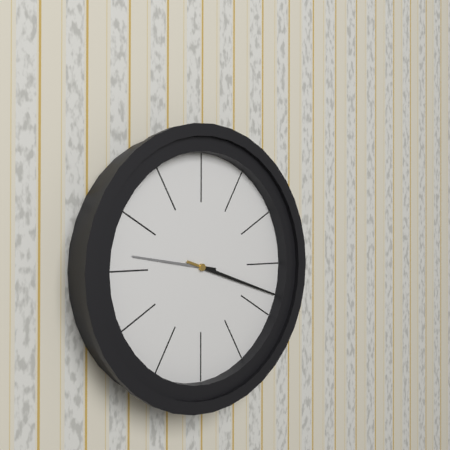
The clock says 9:18
